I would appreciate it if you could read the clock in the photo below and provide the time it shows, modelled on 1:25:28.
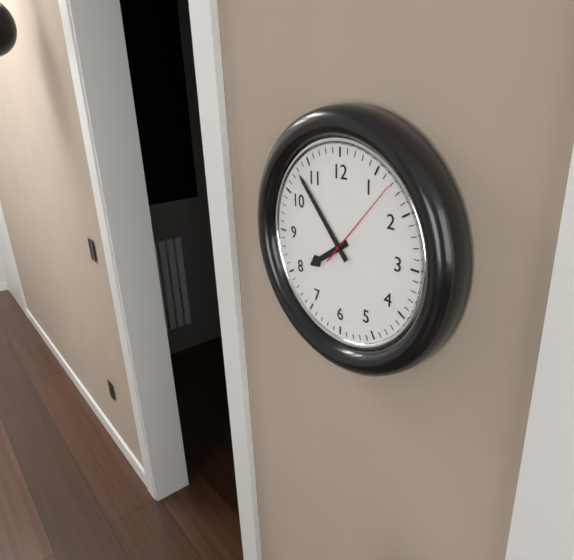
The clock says 7:53:07
